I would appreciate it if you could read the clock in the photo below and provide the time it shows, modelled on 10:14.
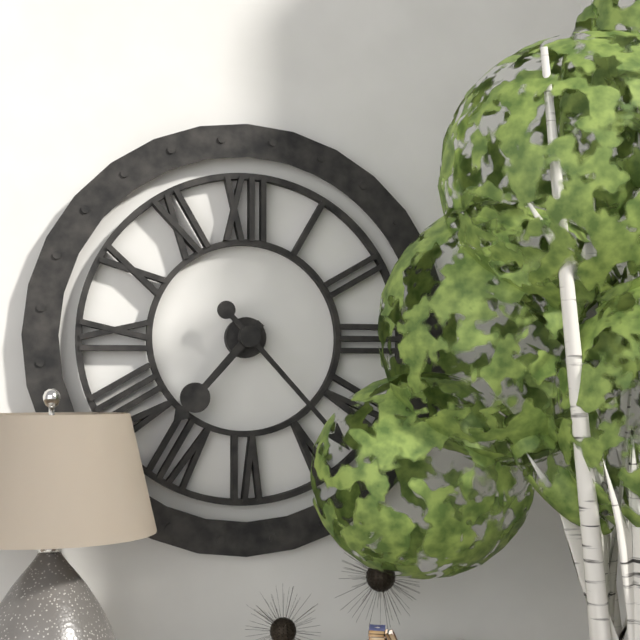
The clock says 7:23
